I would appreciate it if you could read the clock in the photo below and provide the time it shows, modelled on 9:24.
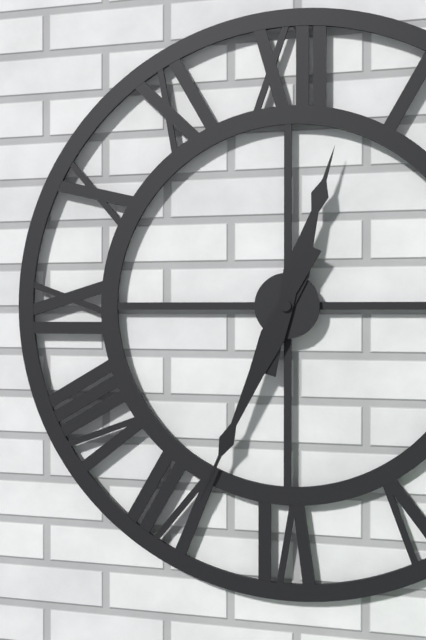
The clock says 12:34
